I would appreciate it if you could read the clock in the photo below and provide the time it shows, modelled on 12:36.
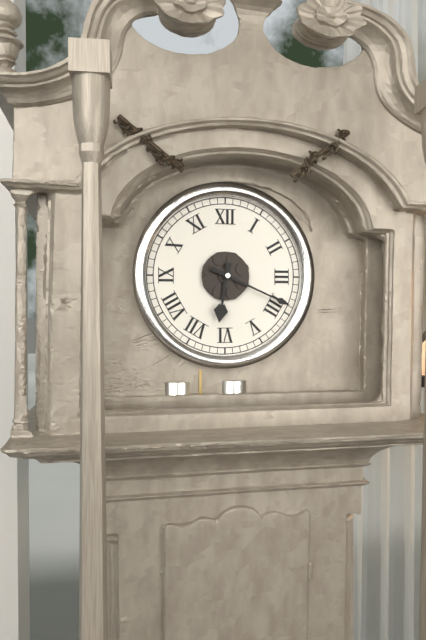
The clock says 6:19
